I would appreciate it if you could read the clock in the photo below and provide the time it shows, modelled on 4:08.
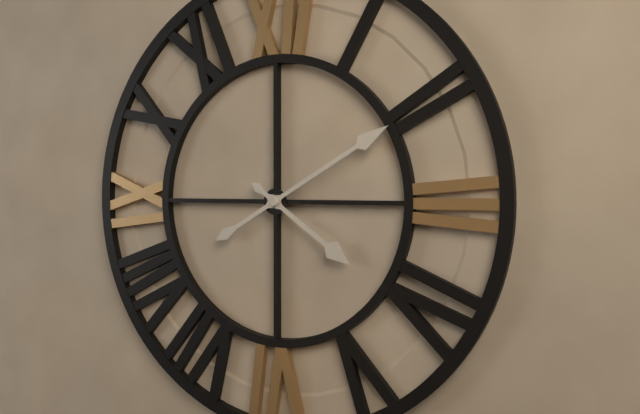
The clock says 4:10
